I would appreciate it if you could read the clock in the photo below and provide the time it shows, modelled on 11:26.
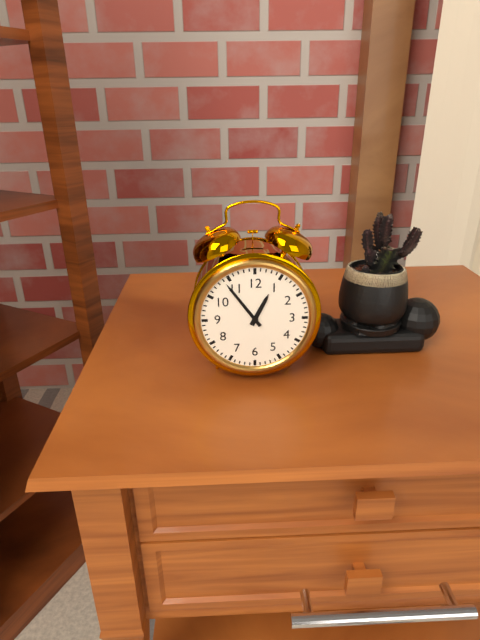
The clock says 12:54
